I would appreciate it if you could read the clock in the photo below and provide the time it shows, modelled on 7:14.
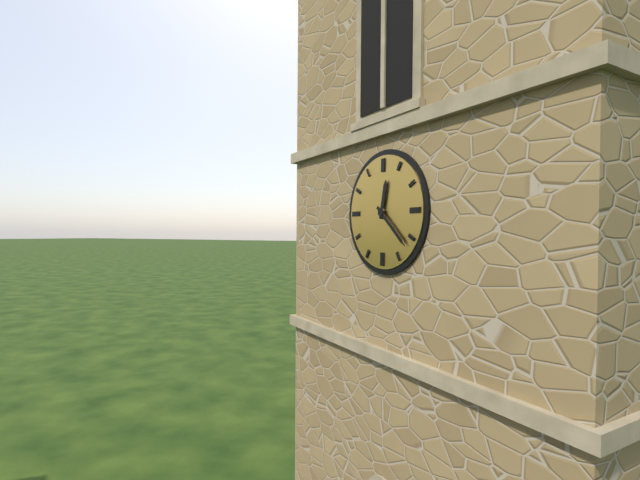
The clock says 12:22
